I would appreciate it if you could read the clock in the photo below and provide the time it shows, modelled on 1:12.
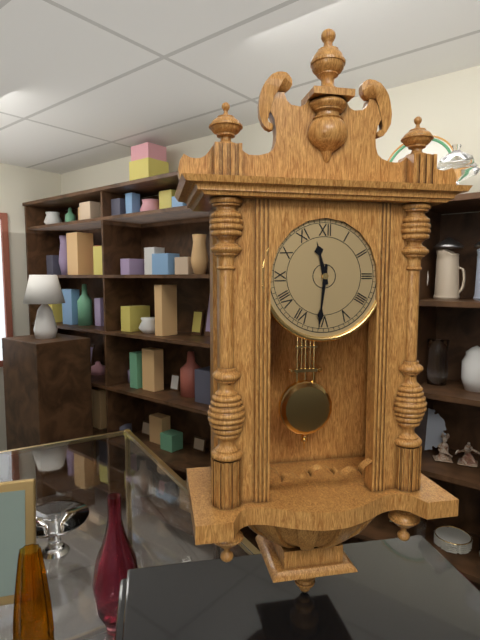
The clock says 11:31
